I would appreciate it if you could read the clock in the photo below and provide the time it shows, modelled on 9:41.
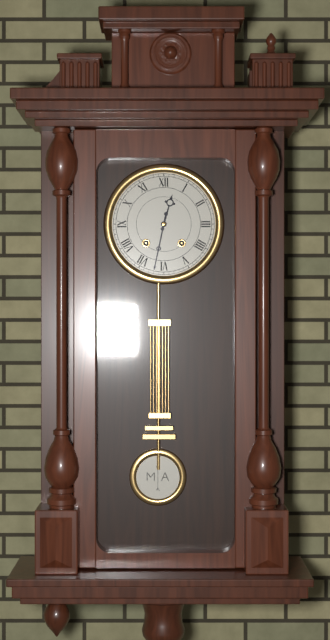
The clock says 12:32
